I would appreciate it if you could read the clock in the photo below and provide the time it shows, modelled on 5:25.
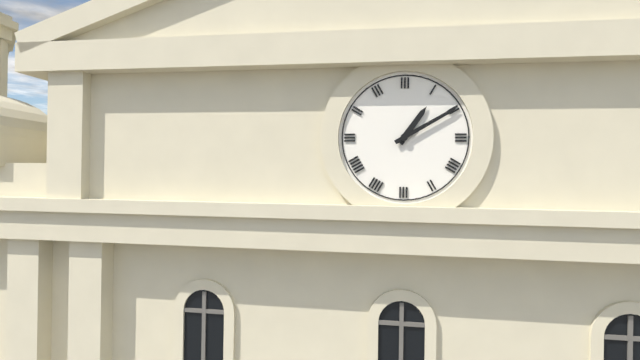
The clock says 1:10
